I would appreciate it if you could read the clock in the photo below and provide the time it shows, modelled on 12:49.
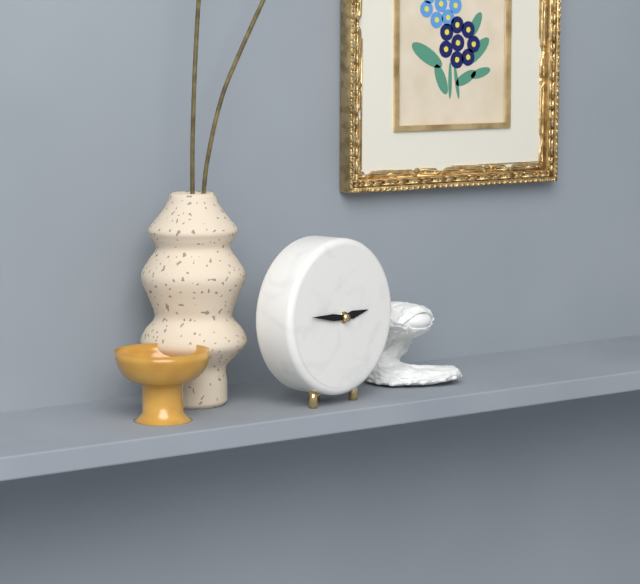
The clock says 2:46
